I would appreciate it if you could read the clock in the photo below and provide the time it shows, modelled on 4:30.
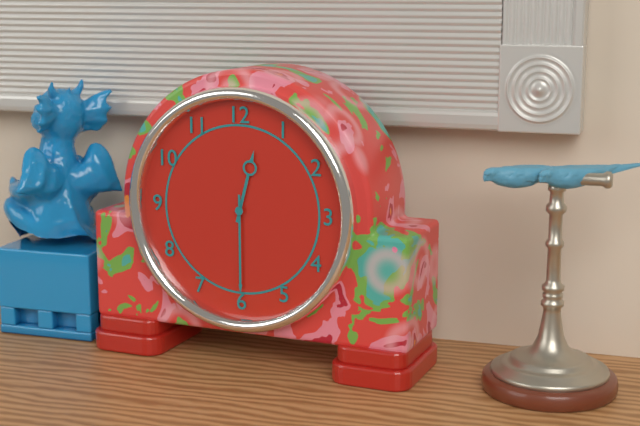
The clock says 12:30
